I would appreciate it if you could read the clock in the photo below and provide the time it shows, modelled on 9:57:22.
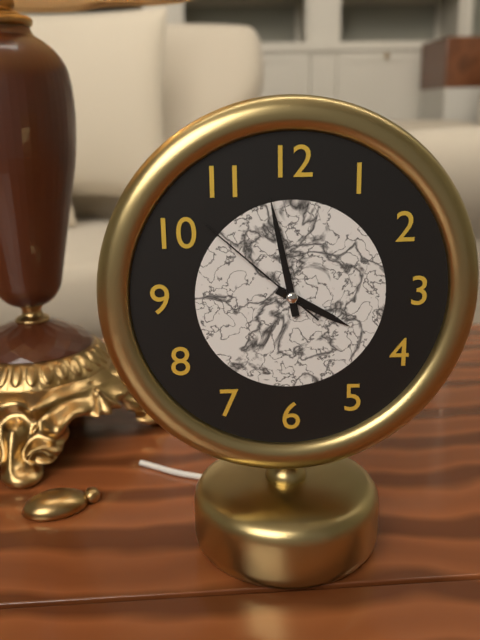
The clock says 3:58:52
